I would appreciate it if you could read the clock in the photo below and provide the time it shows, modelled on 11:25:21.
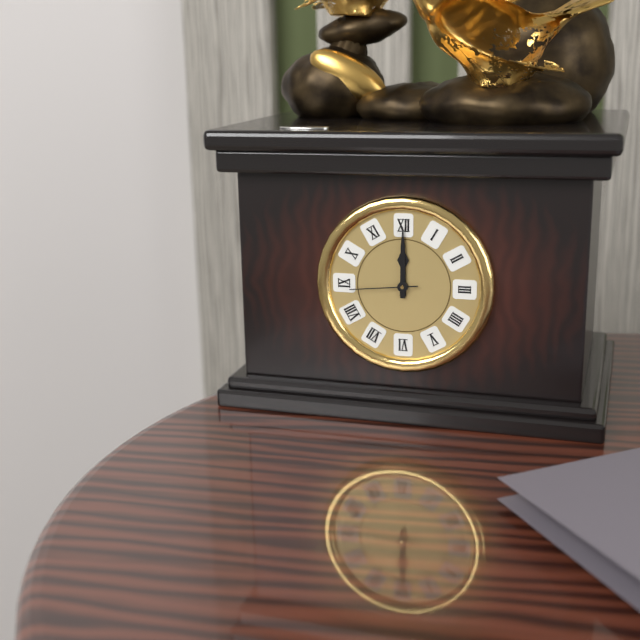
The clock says 12:00:44
